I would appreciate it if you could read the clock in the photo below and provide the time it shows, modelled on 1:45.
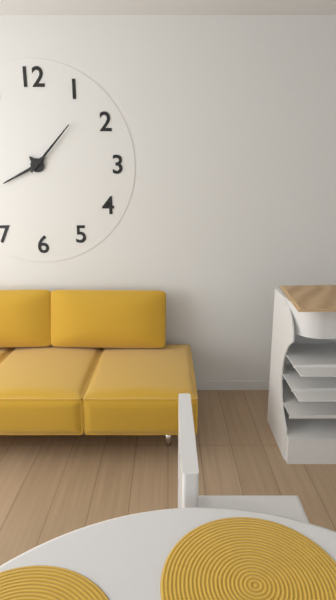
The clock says 8:07
